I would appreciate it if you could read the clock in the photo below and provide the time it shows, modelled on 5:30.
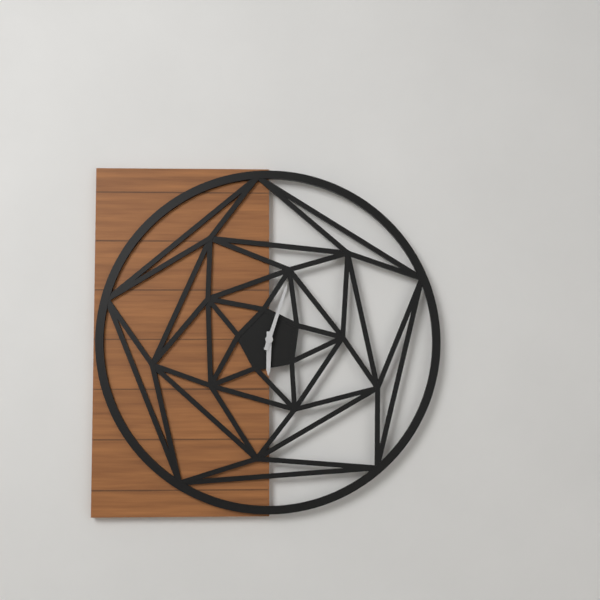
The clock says 6:03
